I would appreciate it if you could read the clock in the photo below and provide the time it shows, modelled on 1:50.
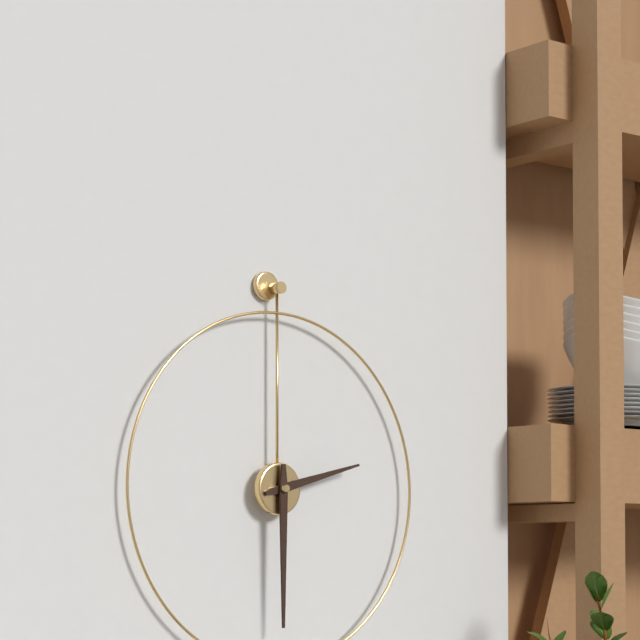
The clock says 2:30
